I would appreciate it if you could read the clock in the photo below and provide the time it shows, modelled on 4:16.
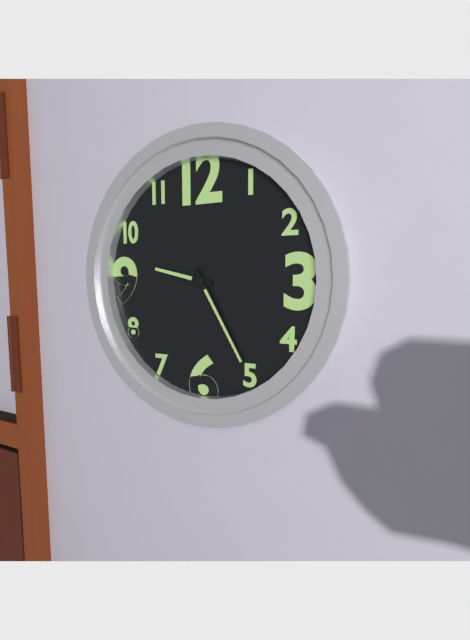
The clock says 9:25
